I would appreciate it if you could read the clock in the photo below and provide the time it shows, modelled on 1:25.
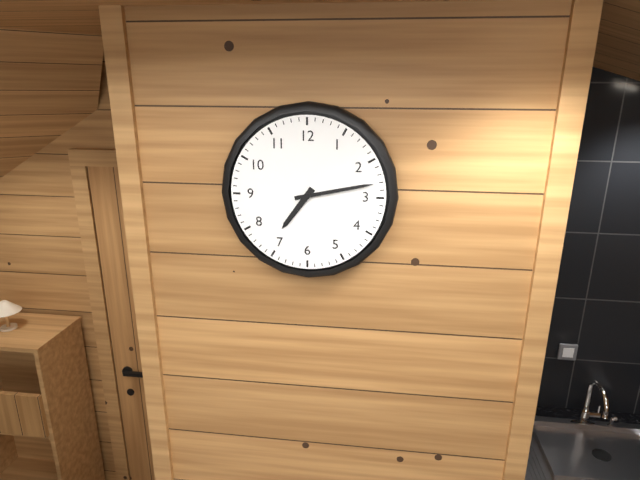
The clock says 7:13
